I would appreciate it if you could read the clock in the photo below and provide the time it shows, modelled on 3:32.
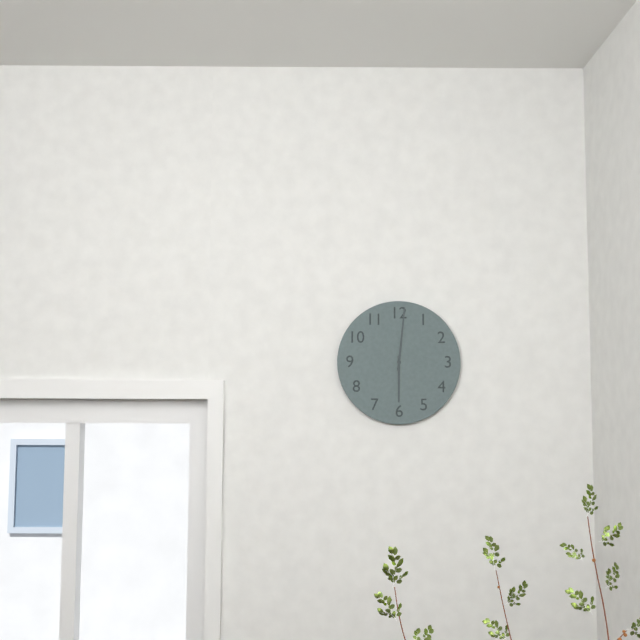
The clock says 6:01
